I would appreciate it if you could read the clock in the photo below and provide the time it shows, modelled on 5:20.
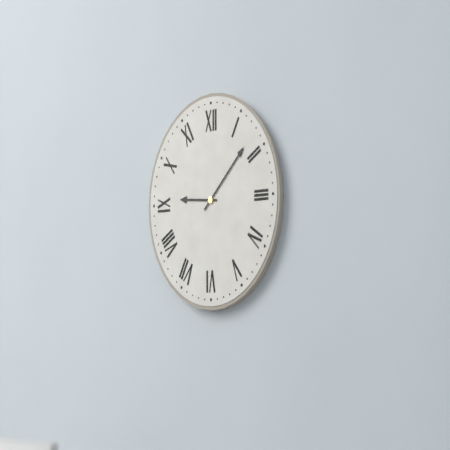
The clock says 9:08
